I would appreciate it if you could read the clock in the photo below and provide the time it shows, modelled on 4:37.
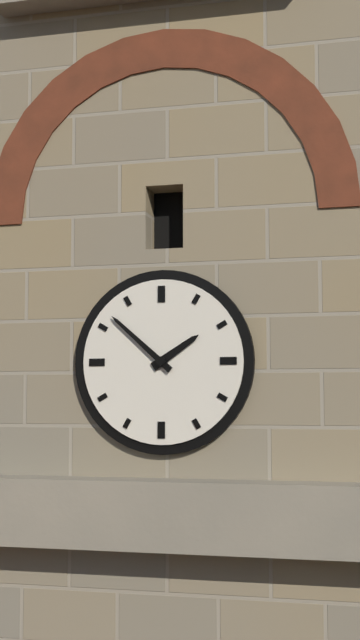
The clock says 1:52
